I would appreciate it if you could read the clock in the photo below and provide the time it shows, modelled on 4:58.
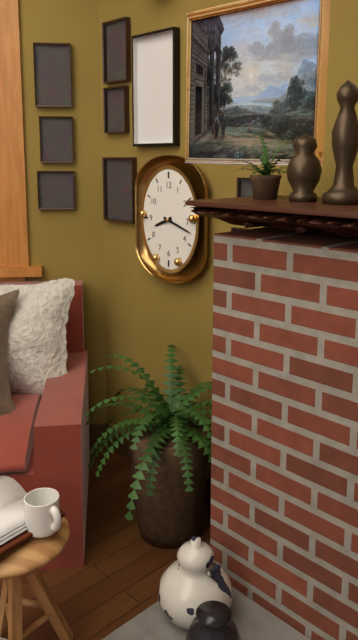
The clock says 8:18
